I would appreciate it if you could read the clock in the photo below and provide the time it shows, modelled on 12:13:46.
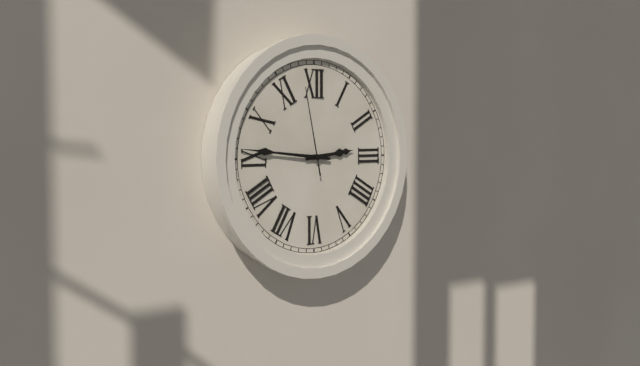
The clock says 2:46:58
